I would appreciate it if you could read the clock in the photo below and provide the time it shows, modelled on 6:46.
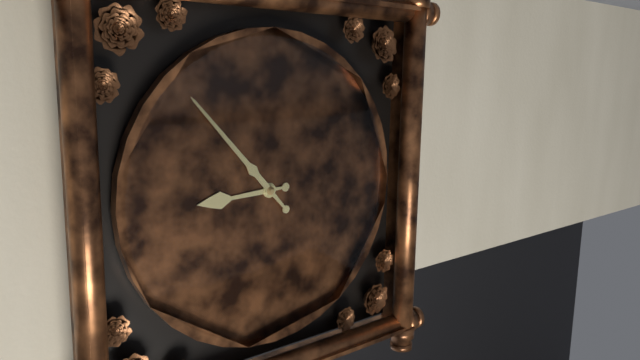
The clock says 8:53
